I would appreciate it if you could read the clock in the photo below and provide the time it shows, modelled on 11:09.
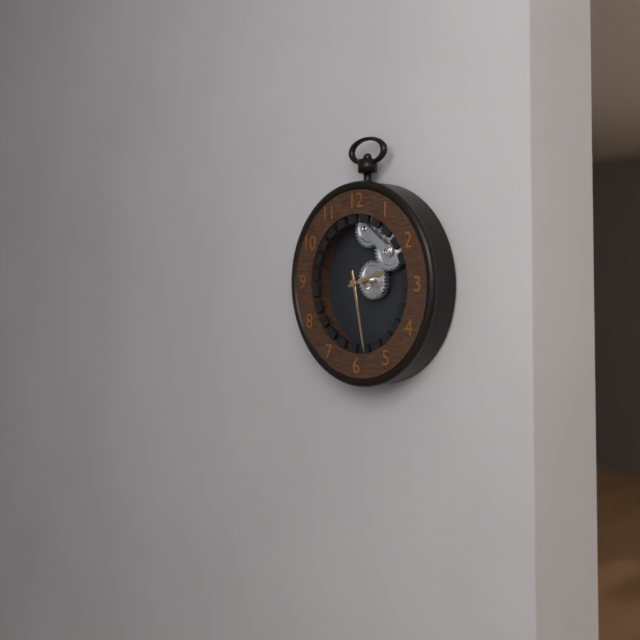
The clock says 2:28
